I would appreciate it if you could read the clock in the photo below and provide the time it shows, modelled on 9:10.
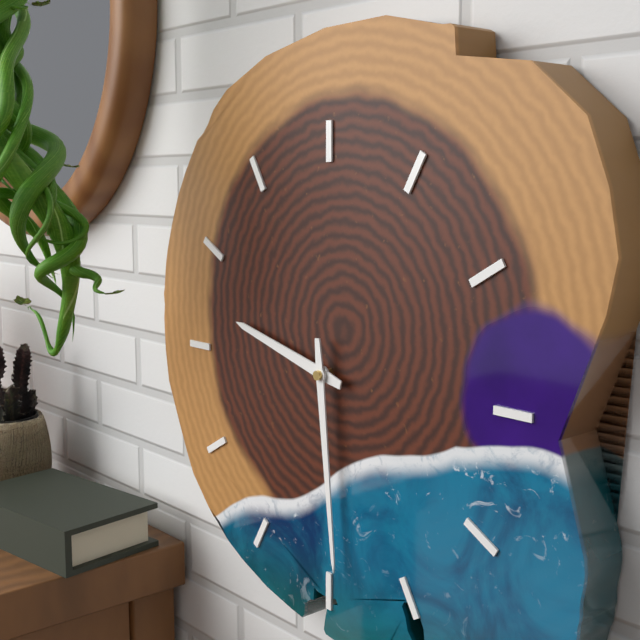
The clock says 9:29
